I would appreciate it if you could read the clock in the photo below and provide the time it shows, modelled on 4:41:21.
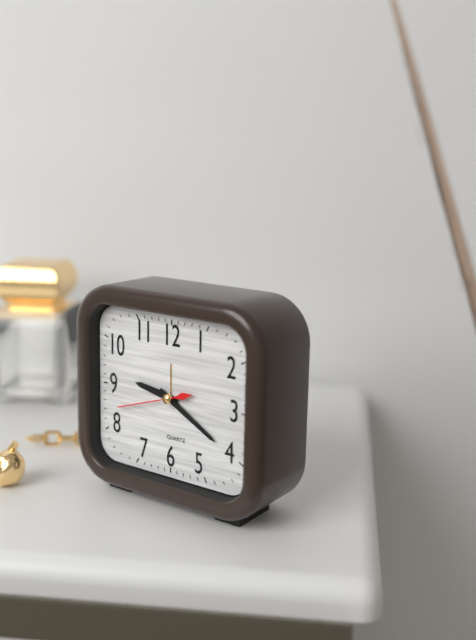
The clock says 9:20:42
